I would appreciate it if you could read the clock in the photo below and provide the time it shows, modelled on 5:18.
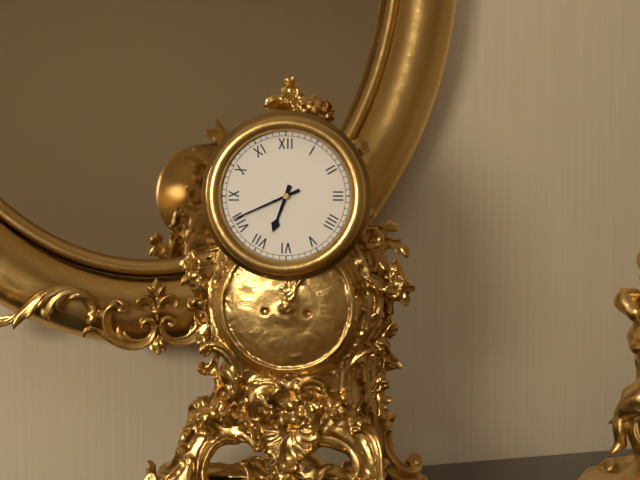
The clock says 6:41
